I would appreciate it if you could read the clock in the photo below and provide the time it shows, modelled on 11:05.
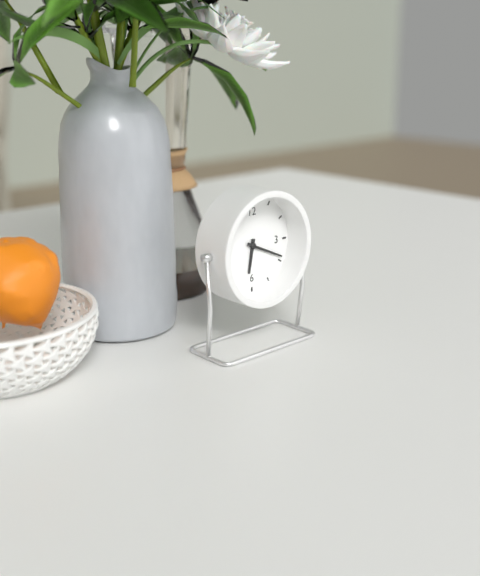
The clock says 6:19
